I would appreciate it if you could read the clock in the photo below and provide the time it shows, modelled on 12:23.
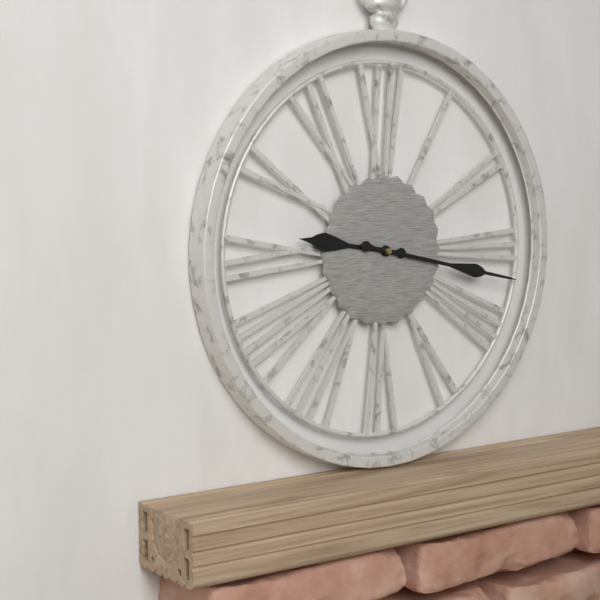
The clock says 9:17
